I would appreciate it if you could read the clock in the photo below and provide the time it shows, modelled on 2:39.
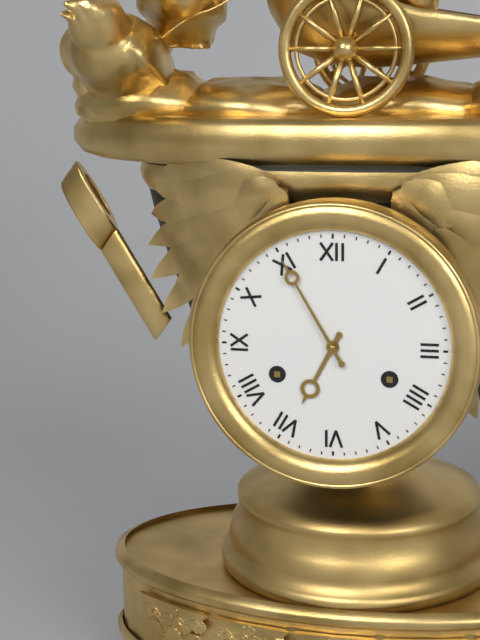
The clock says 6:55
